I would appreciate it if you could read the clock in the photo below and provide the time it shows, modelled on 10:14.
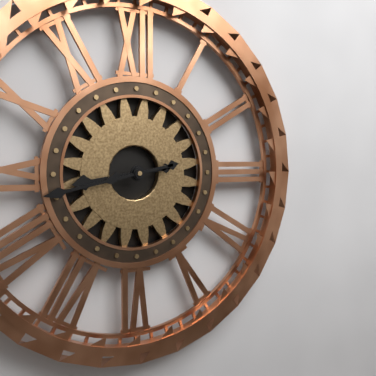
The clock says 8:43
